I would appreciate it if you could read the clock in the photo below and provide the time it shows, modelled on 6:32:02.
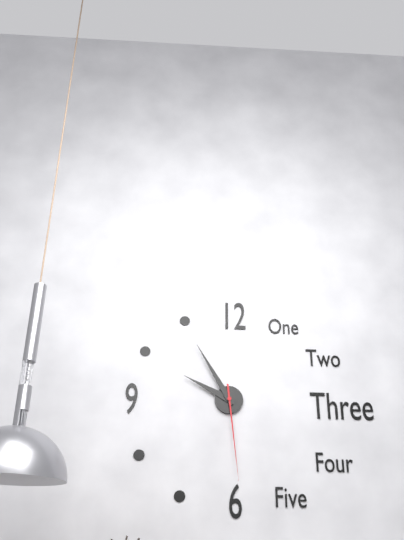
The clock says 9:55:29
